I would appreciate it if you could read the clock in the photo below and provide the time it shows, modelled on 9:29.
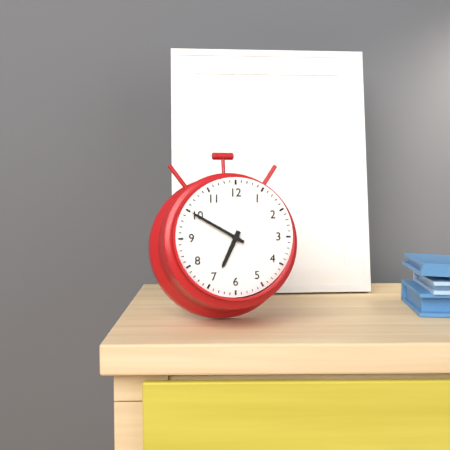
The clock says 6:50
